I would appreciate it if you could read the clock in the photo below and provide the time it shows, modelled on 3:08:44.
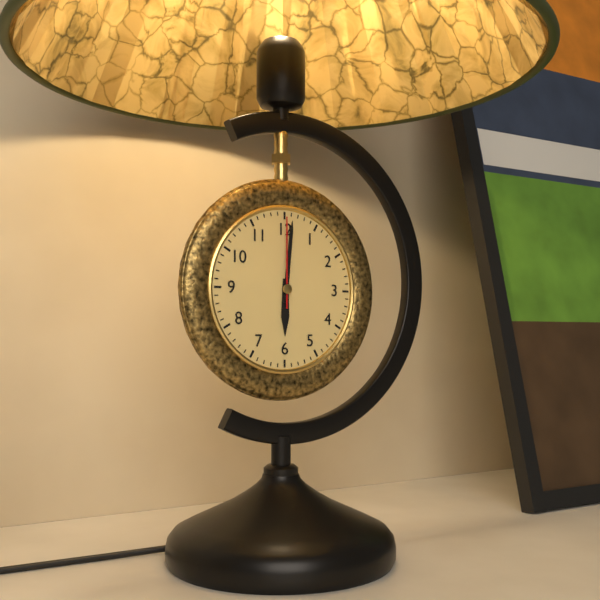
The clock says 6:01:00
